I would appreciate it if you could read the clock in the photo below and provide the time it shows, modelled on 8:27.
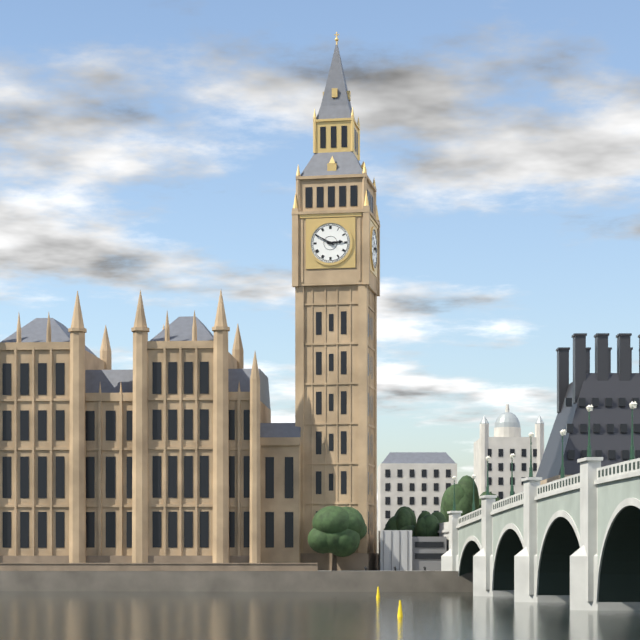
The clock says 2:50
